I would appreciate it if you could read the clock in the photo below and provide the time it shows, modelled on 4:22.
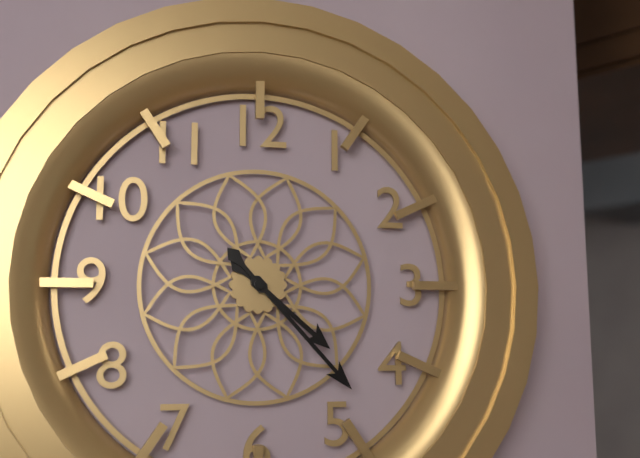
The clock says 4:23
